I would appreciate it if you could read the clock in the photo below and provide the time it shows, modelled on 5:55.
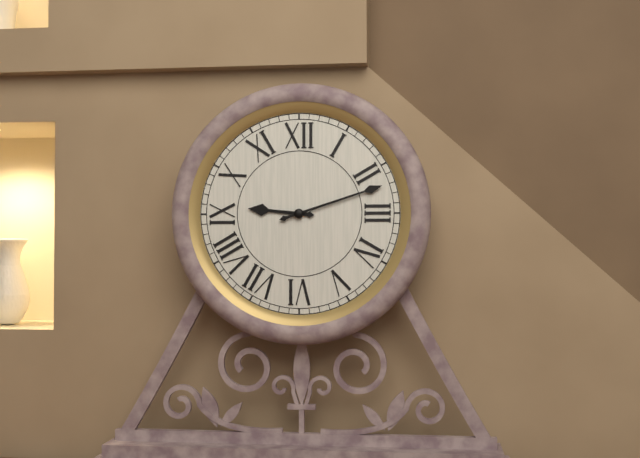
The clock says 9:12
